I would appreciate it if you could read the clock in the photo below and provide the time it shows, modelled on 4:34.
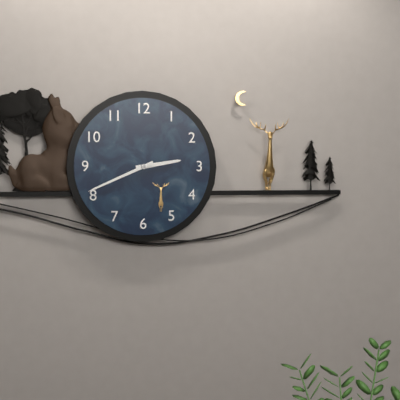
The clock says 2:41
